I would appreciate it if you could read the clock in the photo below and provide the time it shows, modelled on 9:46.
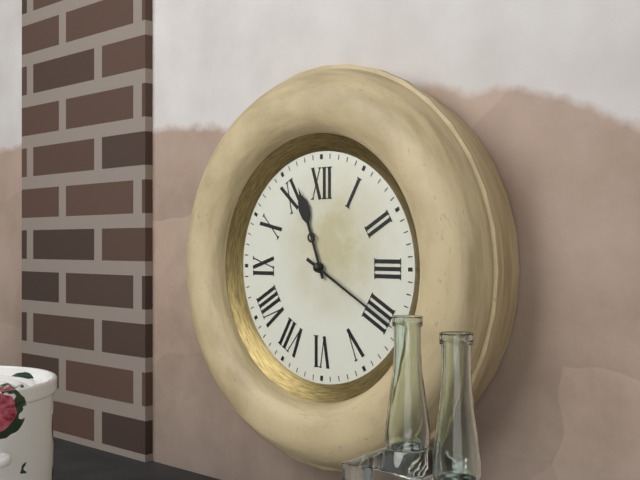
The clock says 11:20
